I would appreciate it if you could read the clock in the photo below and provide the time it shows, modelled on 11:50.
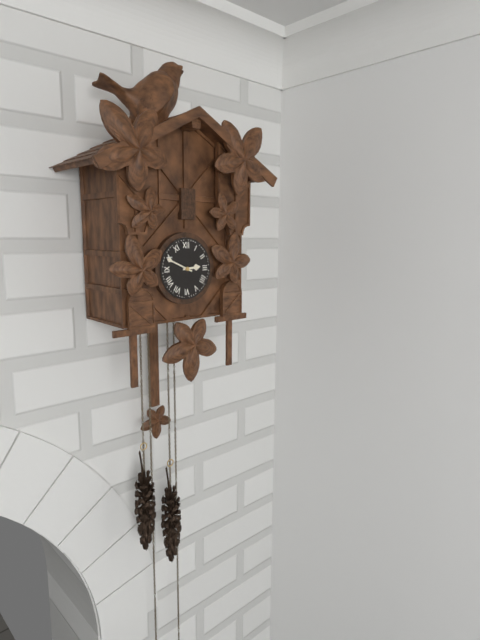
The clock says 2:49
